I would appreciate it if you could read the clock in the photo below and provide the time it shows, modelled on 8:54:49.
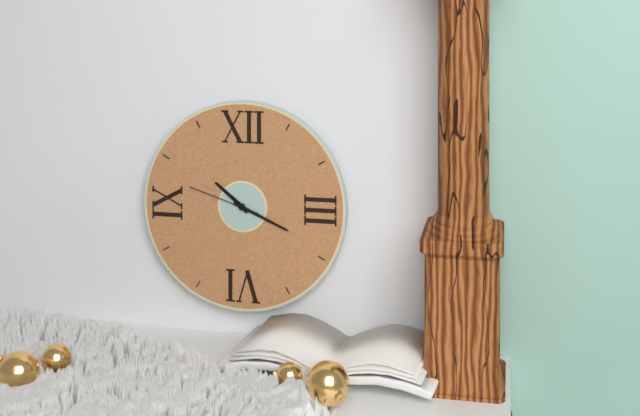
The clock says 10:19:48
